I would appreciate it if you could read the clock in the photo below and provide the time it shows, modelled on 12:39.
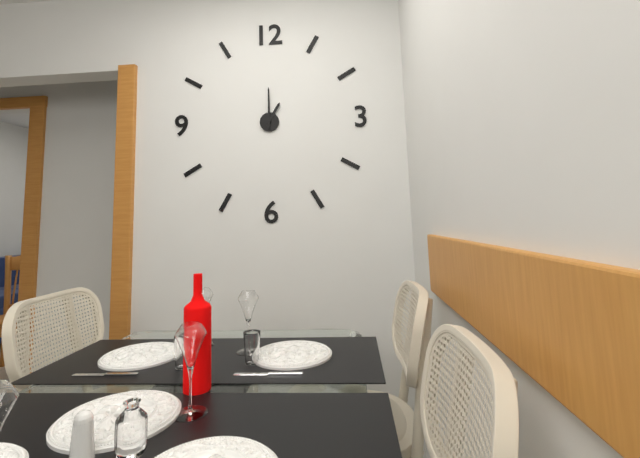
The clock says 1:00
